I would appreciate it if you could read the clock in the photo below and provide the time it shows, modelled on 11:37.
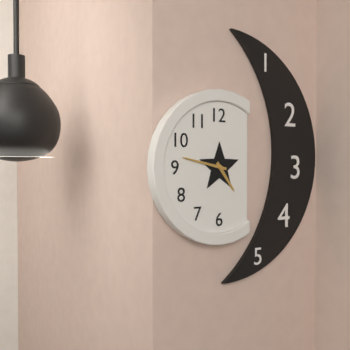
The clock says 4:47
